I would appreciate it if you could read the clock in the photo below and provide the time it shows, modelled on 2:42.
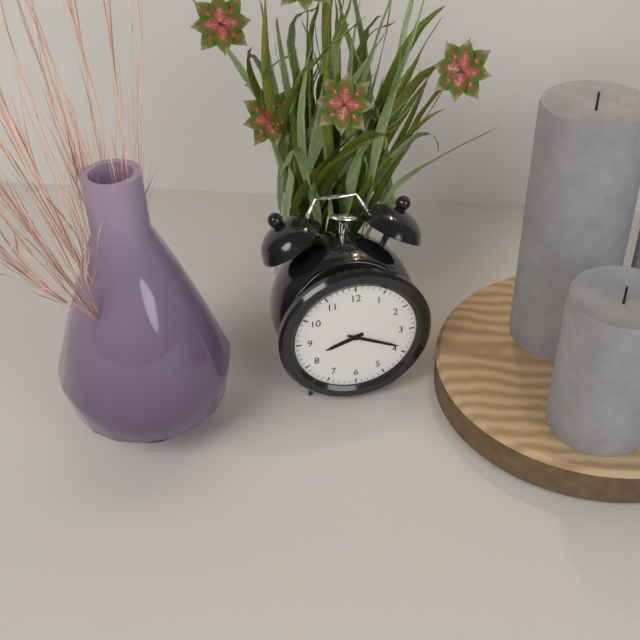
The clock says 8:19
